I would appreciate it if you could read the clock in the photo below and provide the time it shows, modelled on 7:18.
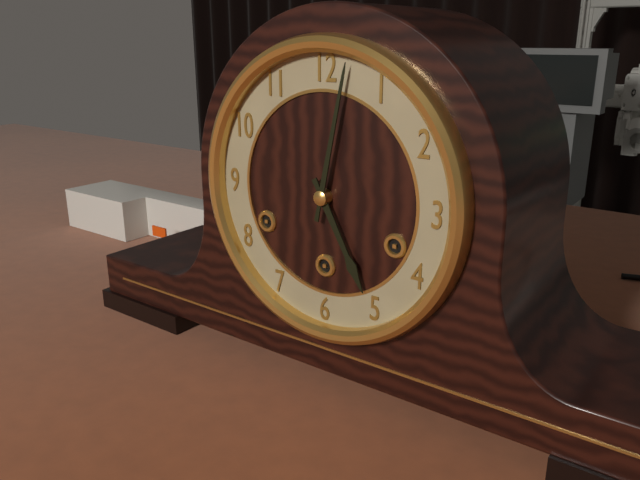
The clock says 5:02
